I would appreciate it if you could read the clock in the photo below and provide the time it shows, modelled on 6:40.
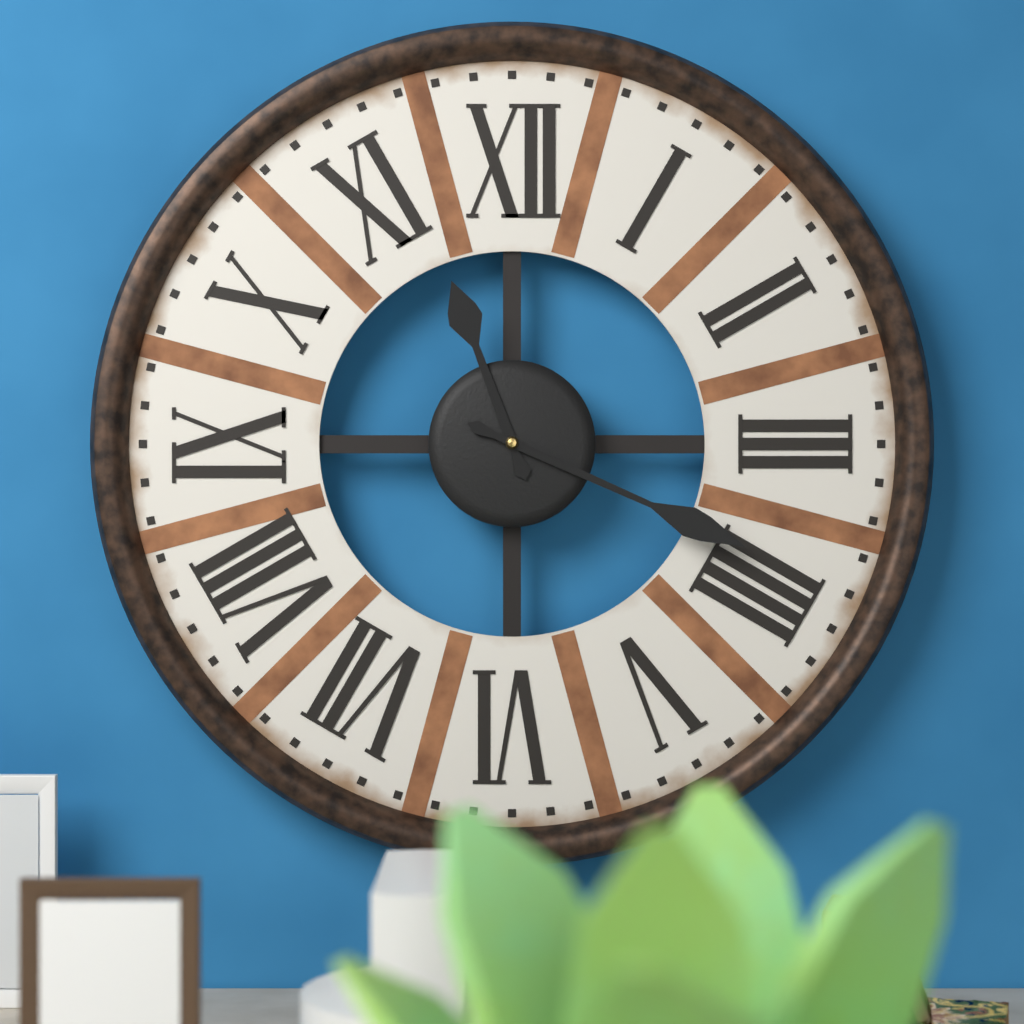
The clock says 11:19
